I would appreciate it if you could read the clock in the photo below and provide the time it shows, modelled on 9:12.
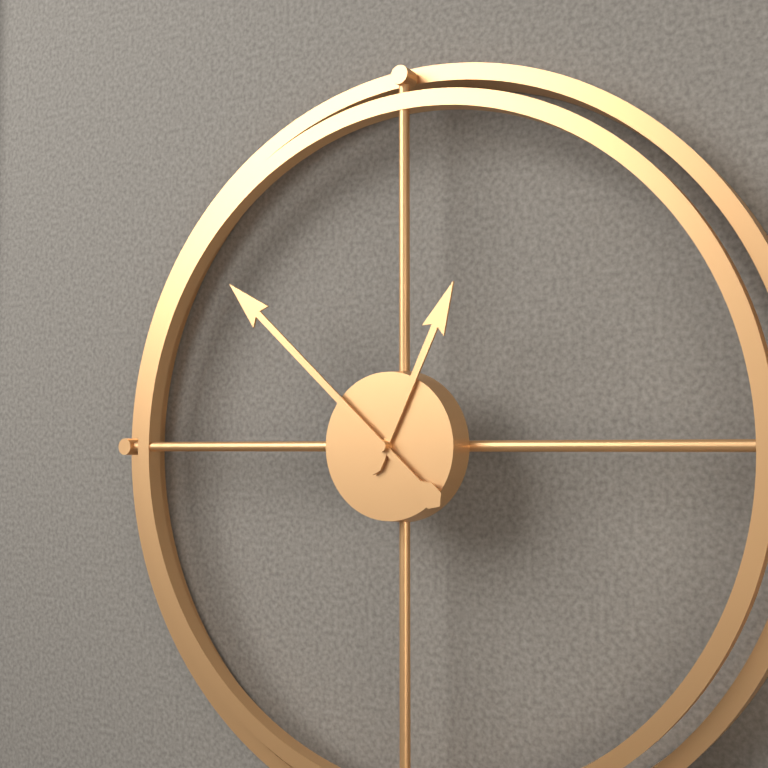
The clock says 12:52
